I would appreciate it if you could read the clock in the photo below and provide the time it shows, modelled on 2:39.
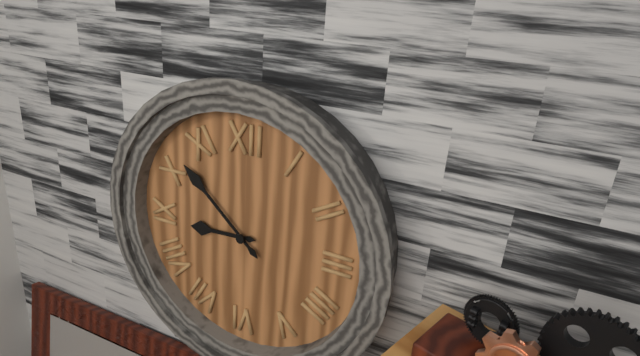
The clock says 8:52
